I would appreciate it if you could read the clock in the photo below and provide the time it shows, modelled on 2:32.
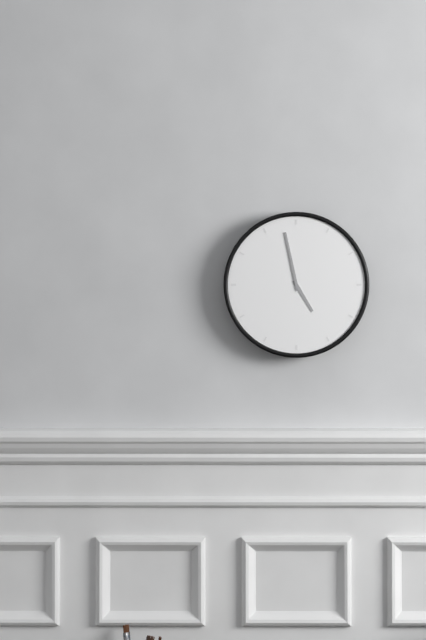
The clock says 4:58
